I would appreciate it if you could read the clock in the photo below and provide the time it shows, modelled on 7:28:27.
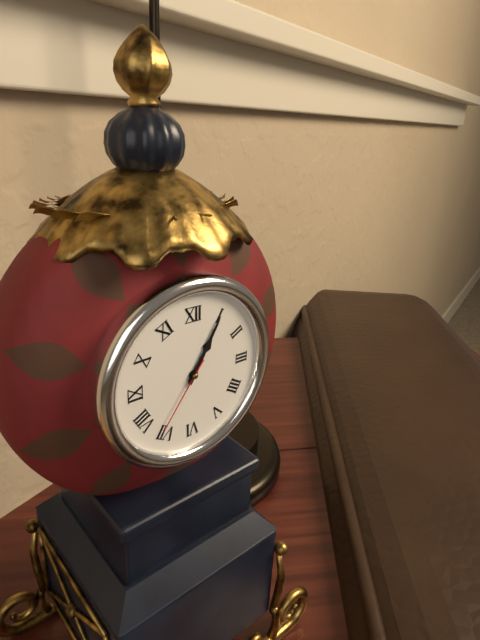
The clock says 1:05:36
